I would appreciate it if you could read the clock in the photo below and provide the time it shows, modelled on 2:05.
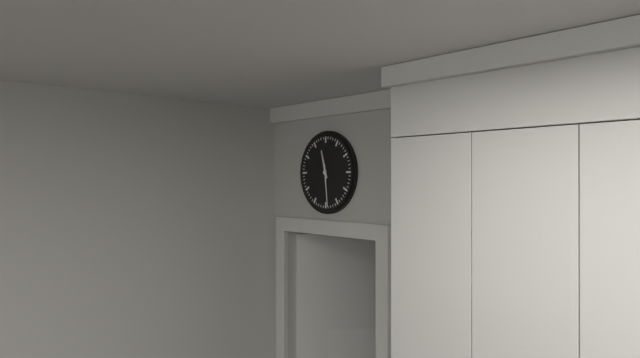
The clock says 11:29
